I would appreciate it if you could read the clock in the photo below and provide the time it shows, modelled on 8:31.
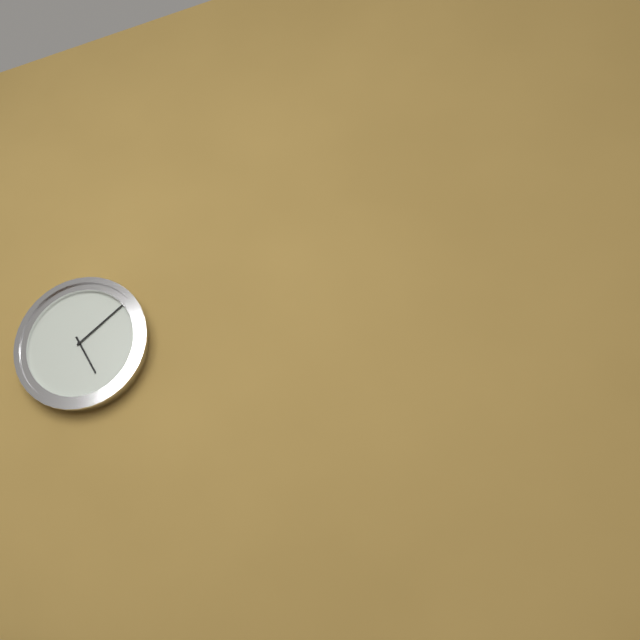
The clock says 5:09
